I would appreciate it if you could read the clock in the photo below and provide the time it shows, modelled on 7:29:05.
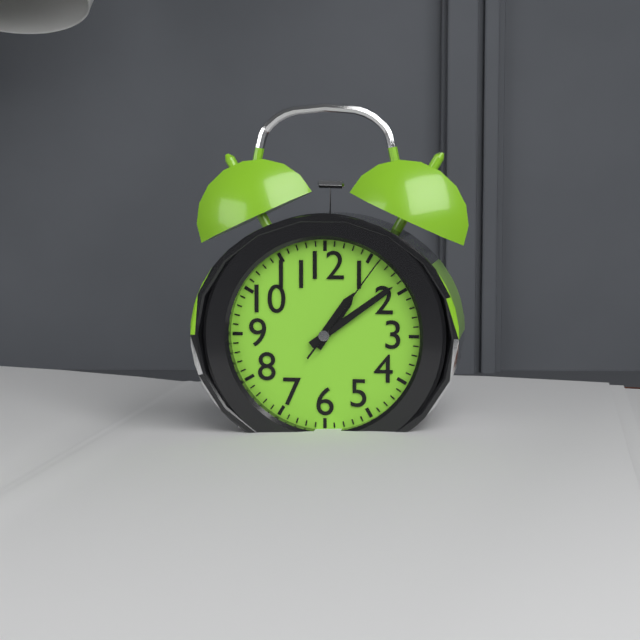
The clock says 1:09:06
